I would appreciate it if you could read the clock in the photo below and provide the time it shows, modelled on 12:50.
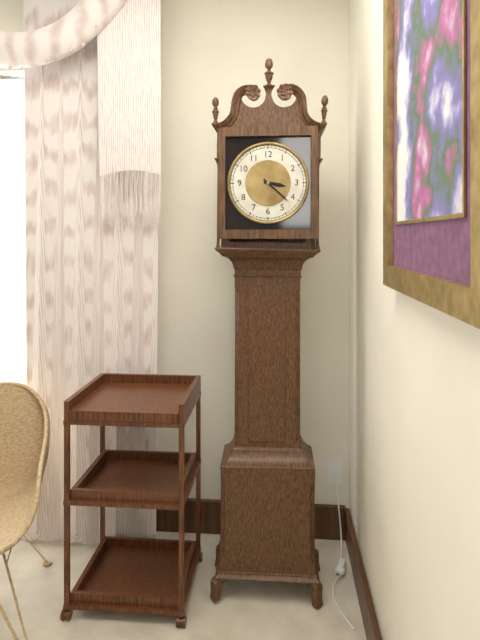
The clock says 3:22
